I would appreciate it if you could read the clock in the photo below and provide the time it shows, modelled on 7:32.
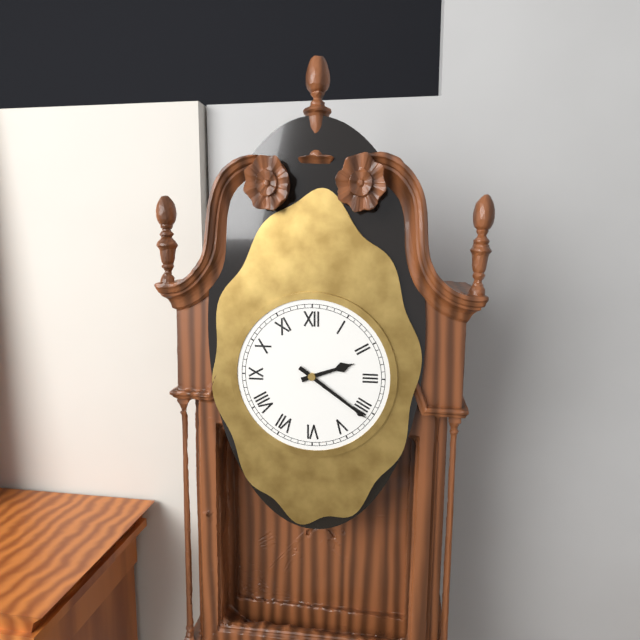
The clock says 2:21
